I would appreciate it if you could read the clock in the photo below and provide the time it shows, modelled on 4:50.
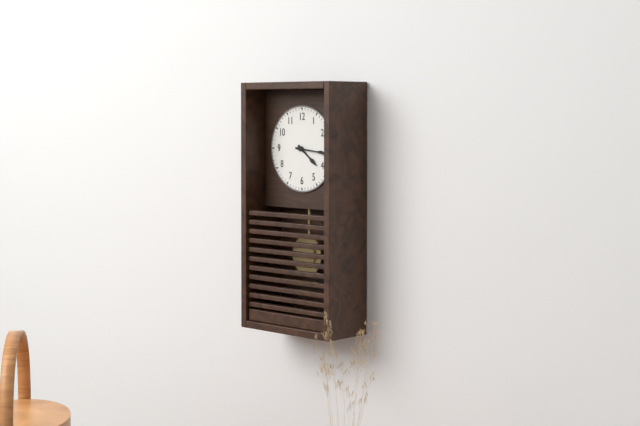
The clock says 4:16
